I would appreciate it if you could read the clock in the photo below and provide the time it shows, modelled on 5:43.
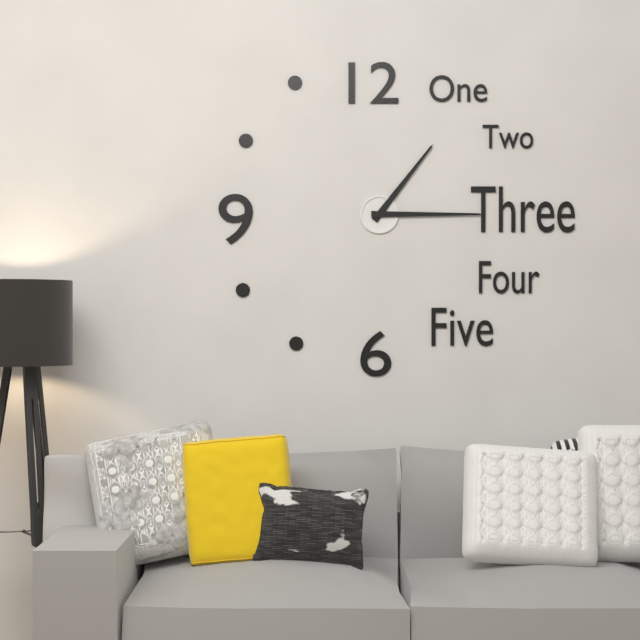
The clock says 1:15
